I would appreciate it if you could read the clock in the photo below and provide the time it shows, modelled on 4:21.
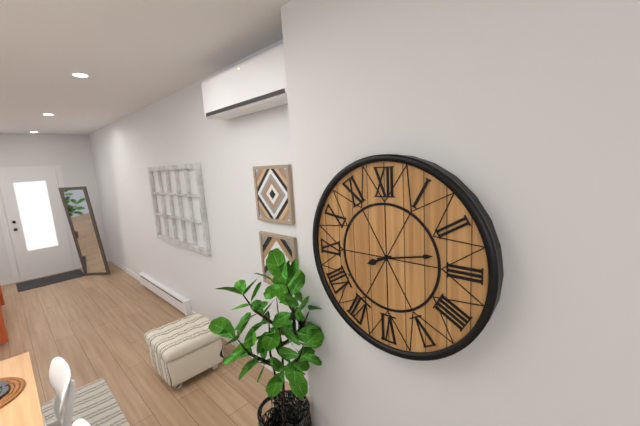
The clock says 8:13
